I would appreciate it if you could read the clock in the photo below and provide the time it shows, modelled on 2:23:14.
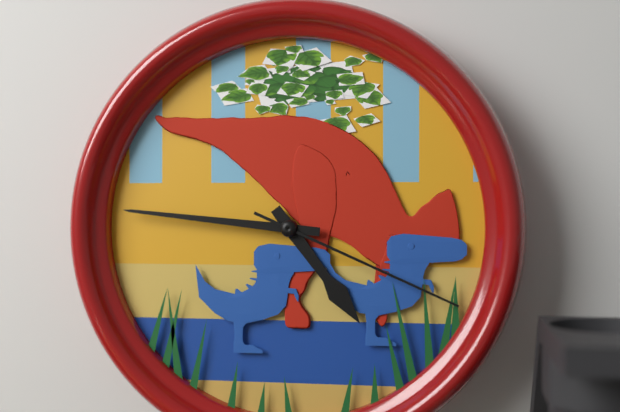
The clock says 4:46:19
